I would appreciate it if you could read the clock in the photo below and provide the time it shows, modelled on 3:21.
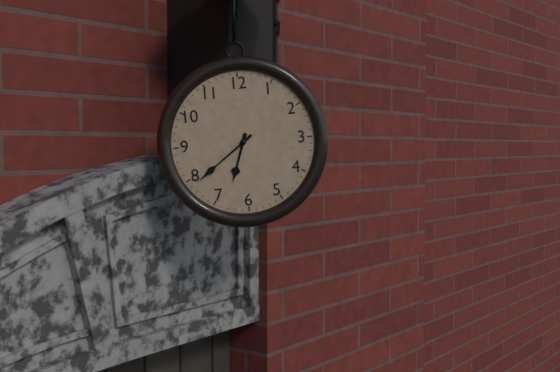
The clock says 6:39
